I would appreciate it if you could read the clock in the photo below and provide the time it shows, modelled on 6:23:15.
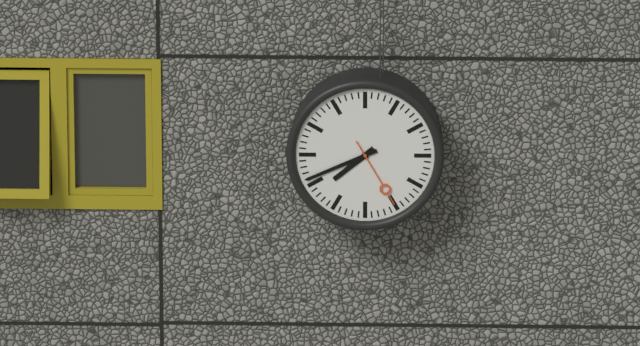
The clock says 7:41:25
